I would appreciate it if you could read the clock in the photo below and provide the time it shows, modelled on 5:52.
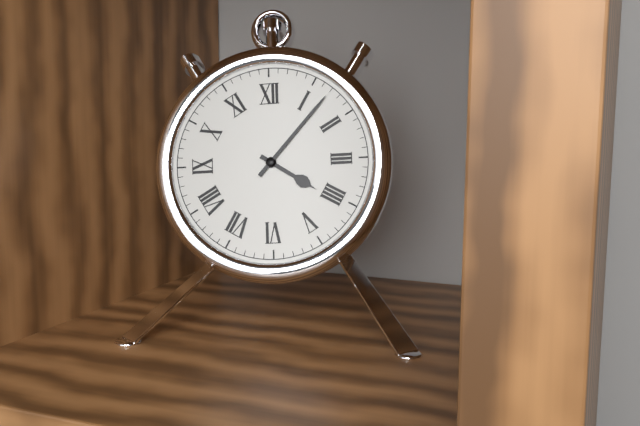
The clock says 4:07
